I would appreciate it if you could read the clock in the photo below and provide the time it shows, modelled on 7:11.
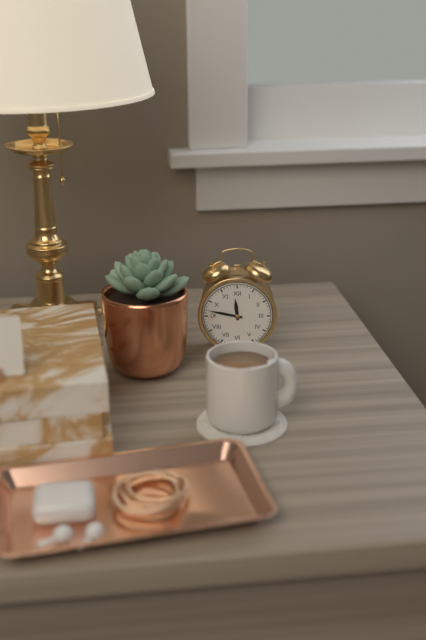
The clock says 11:47
